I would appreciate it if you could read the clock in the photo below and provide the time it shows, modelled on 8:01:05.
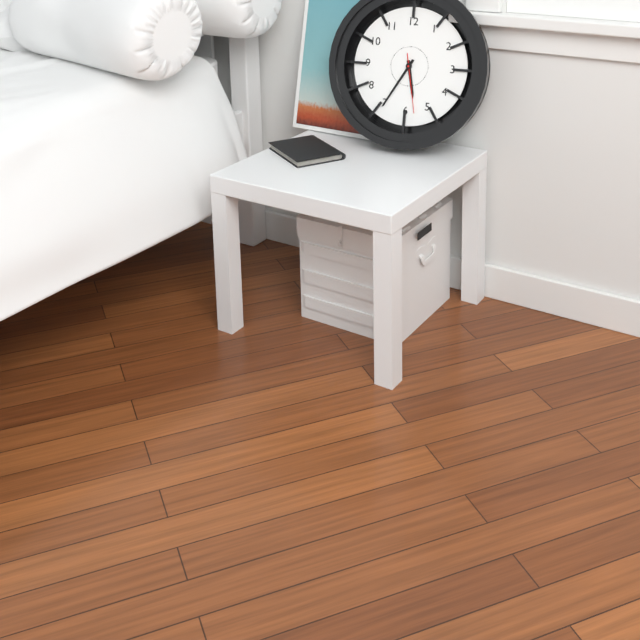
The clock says 5:35:28
